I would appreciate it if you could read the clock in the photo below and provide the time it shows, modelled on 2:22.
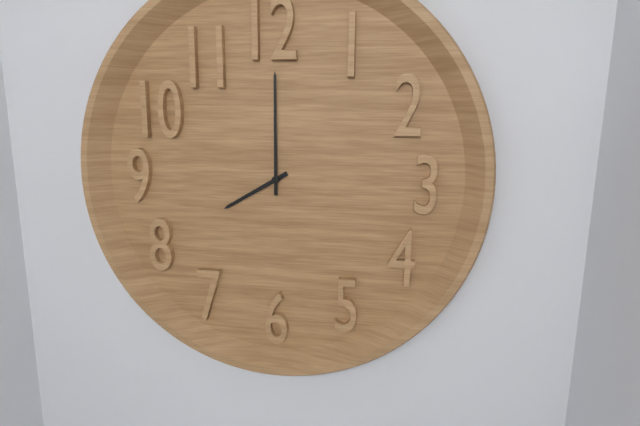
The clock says 8:00
